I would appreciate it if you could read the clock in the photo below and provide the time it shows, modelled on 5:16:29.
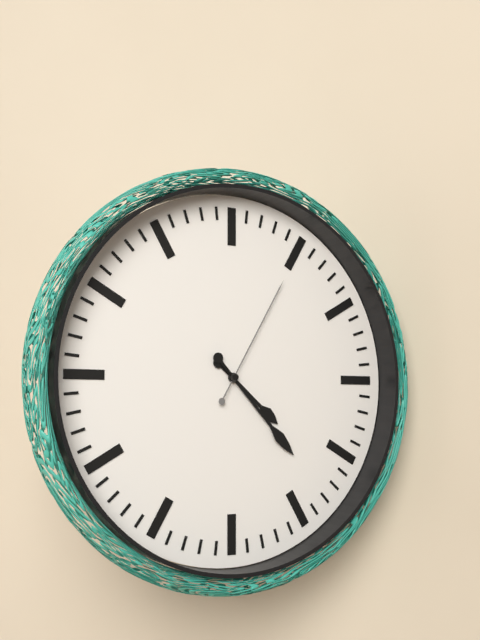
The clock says 4:23:05
